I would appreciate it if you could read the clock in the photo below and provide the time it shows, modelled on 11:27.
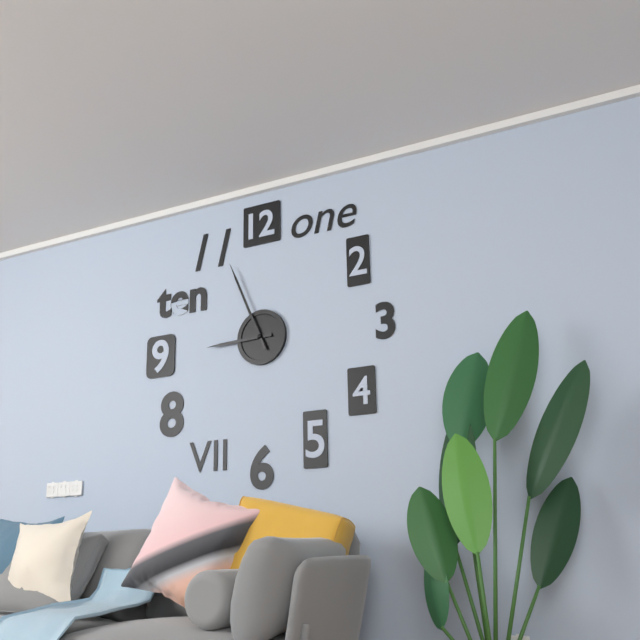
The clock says 8:56
